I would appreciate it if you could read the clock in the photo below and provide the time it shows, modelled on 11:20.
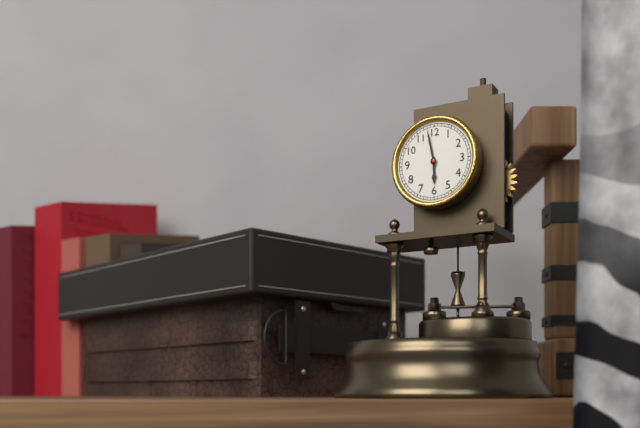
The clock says 5:58
